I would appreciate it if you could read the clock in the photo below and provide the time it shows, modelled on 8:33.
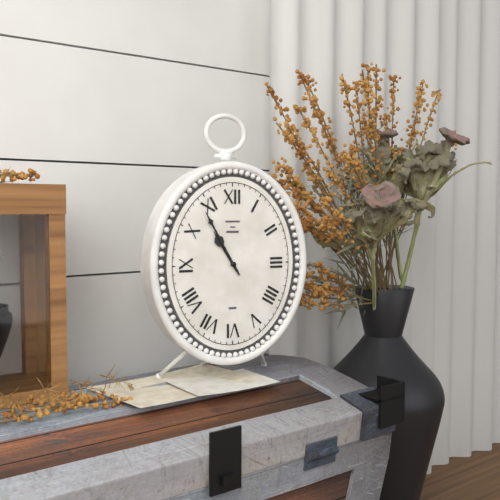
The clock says 10:55
